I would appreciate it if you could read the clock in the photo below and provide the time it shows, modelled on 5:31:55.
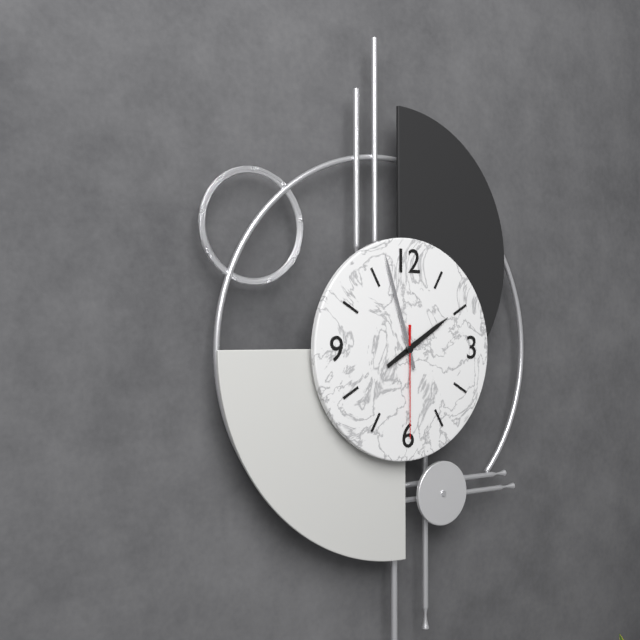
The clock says 1:57:30
